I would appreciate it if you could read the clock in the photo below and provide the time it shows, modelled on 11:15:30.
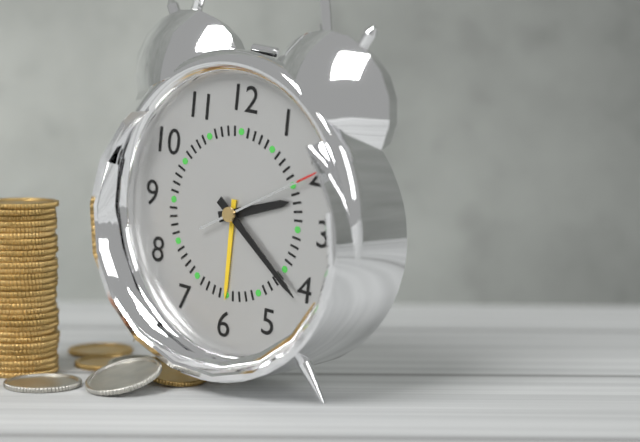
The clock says 2:21:10
